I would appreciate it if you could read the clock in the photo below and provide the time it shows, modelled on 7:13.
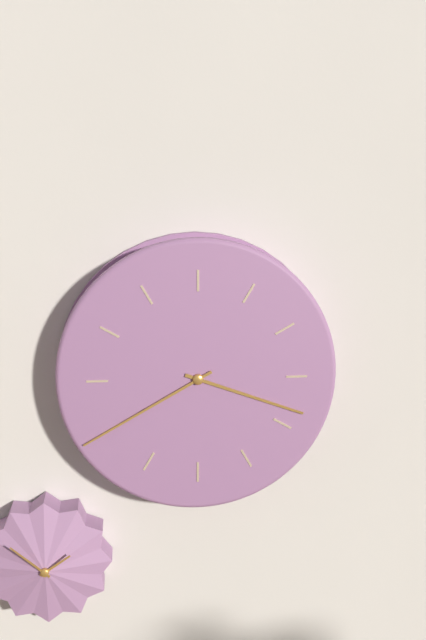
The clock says 3:40
